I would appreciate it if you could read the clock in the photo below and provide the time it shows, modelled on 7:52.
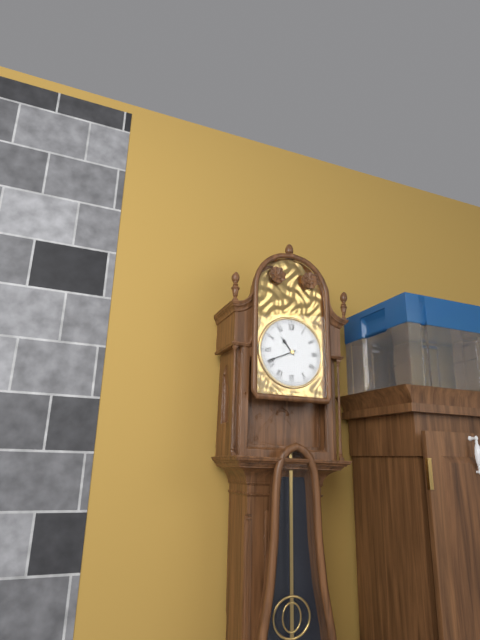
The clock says 10:41
